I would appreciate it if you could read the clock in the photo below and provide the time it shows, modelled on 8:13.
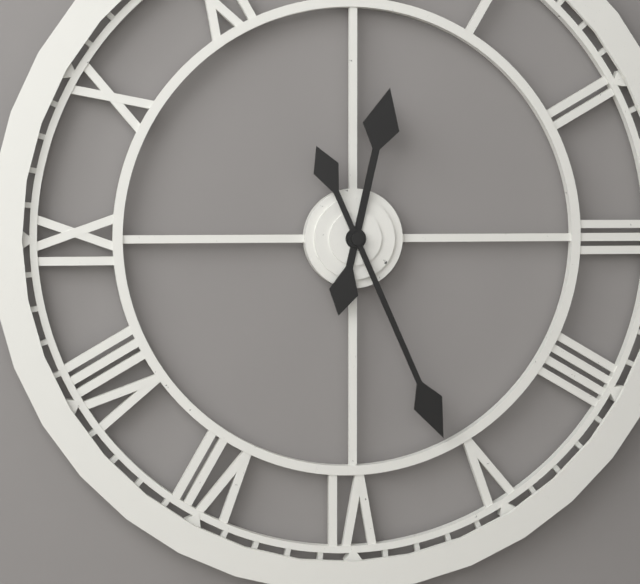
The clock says 12:26
